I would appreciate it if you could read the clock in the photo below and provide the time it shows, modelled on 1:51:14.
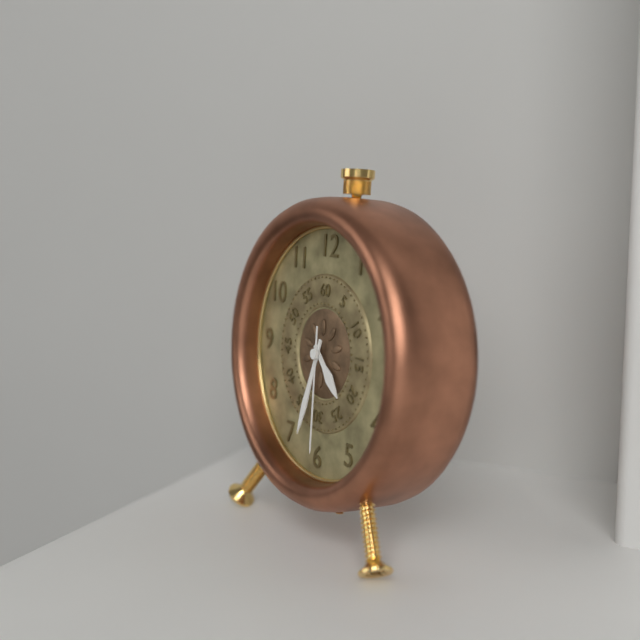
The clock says 4:33:30
